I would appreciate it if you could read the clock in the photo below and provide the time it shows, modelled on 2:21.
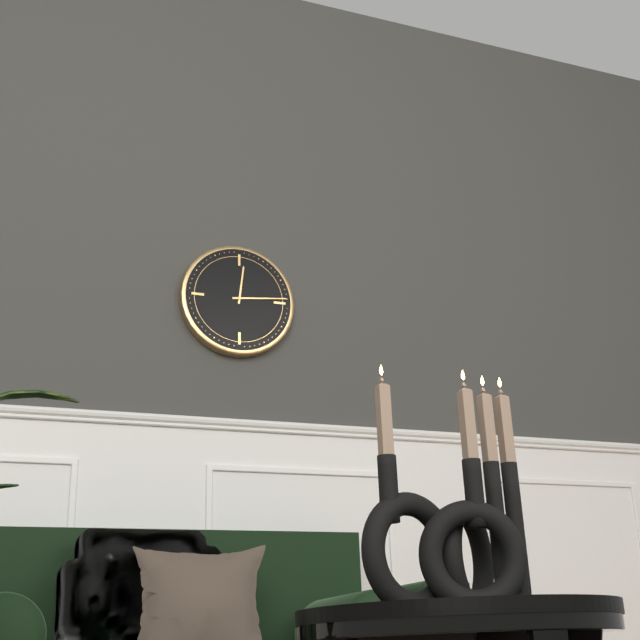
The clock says 12:14
